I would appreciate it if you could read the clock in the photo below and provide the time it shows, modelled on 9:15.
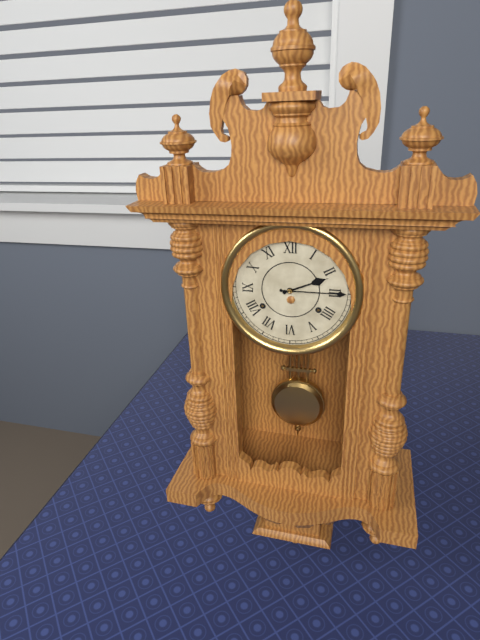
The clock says 2:15
